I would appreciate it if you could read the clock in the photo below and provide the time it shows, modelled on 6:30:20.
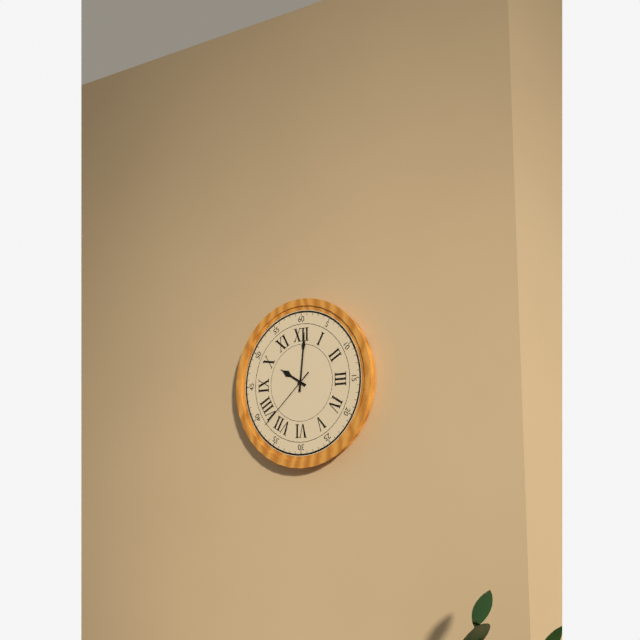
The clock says 10:01:38
